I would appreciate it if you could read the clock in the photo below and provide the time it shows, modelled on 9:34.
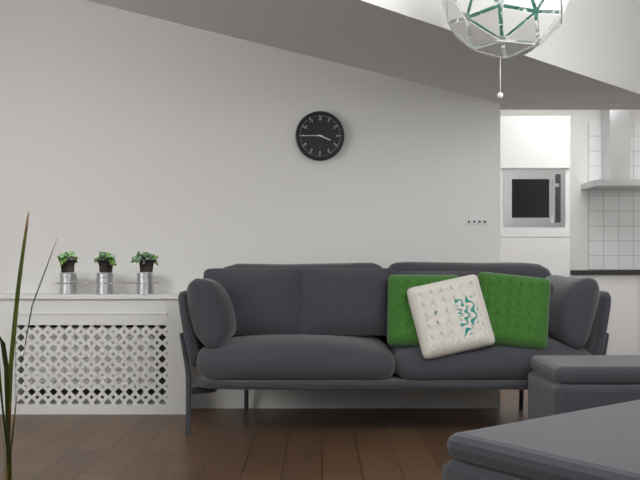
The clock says 3:45
